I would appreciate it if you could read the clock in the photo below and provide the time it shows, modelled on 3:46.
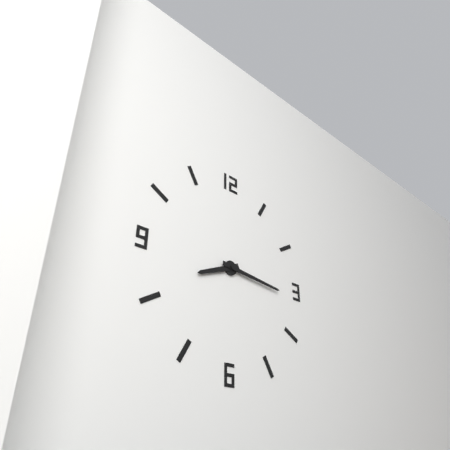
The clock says 8:16
